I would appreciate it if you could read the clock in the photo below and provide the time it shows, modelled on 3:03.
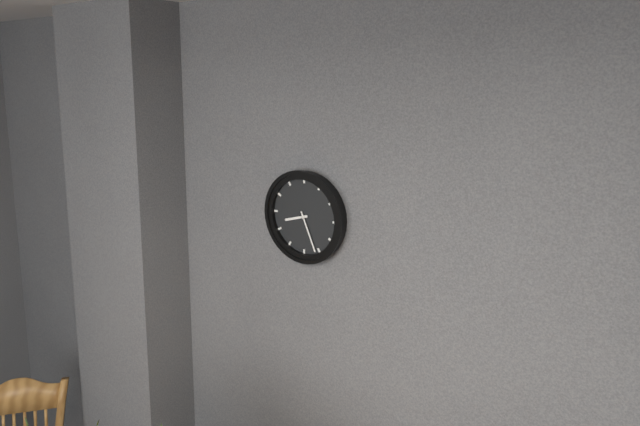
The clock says 8:26
